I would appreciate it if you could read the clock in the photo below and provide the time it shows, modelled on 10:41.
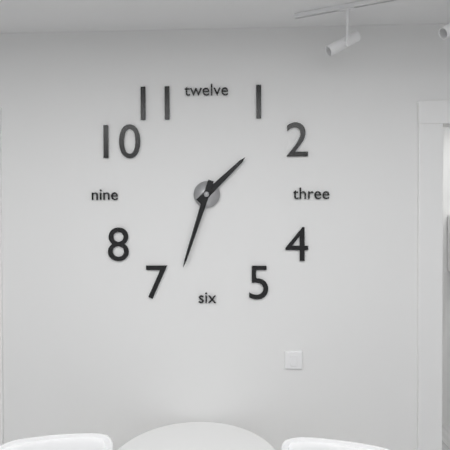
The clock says 1:33
